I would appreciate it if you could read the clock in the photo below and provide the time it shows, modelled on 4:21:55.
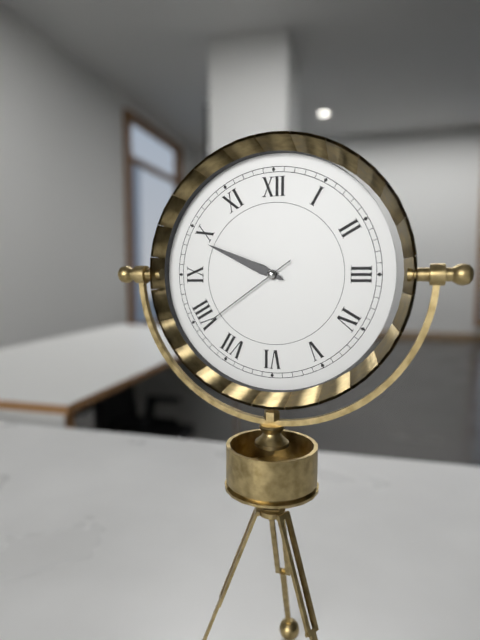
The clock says 9:49:39
